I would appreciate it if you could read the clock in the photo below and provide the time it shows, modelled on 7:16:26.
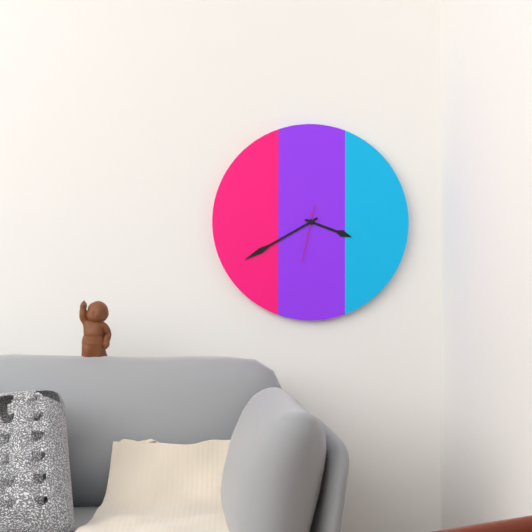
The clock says 3:40:32
